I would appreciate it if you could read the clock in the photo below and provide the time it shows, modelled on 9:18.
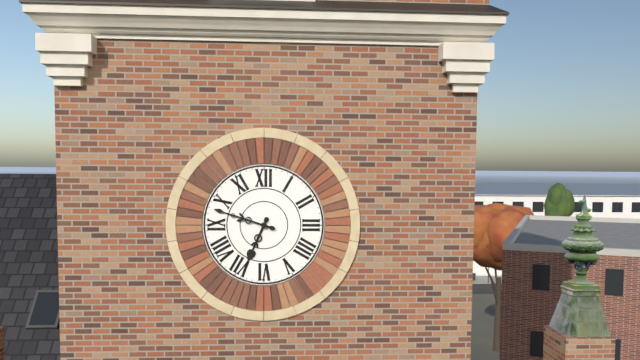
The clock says 6:48
